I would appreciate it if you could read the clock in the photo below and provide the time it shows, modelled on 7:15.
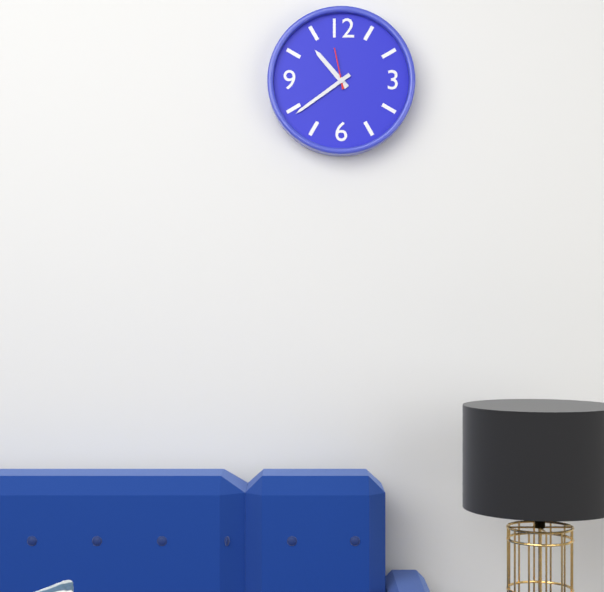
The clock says 10:39
